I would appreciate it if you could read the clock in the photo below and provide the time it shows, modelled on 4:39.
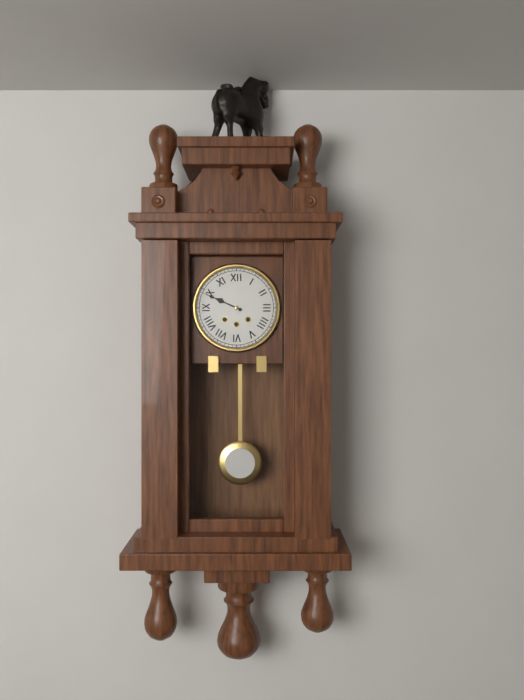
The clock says 9:49
